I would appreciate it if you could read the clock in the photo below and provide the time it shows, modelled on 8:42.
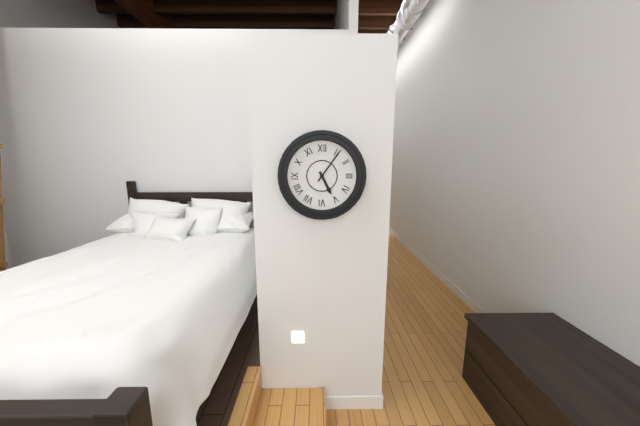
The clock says 5:06
